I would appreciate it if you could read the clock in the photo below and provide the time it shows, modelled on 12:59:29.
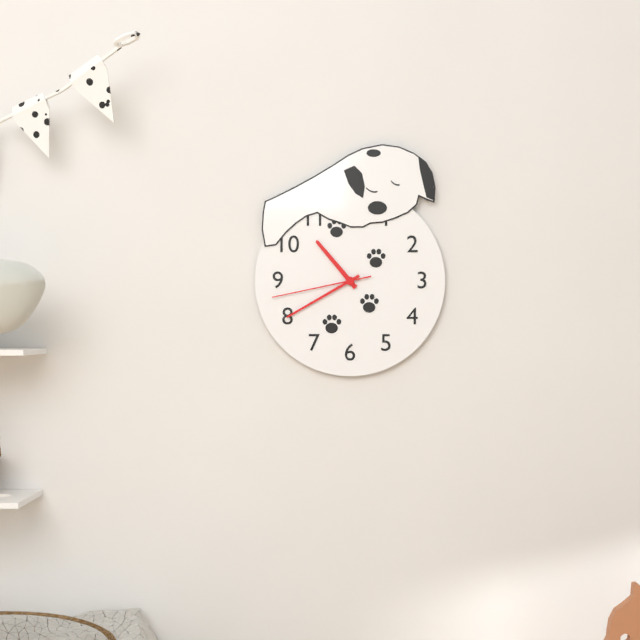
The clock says 10:40:43
